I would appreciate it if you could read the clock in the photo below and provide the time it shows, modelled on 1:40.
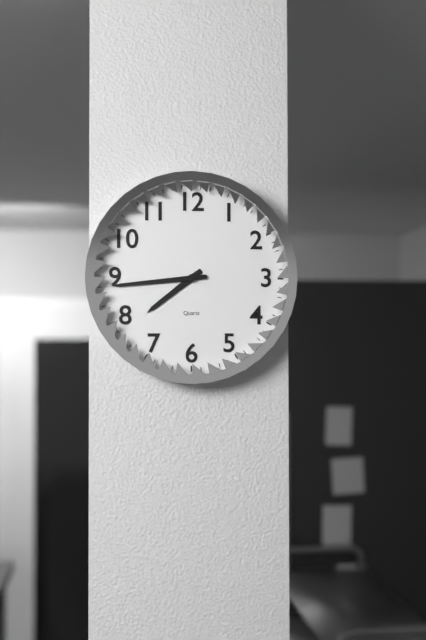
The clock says 7:44
